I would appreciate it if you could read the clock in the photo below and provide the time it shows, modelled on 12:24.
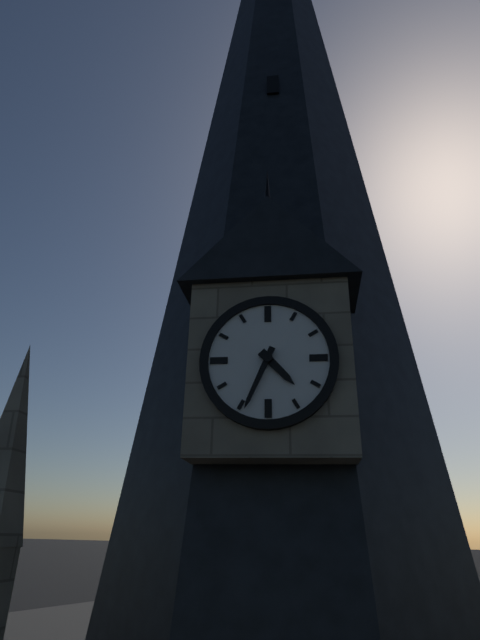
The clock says 4:34
